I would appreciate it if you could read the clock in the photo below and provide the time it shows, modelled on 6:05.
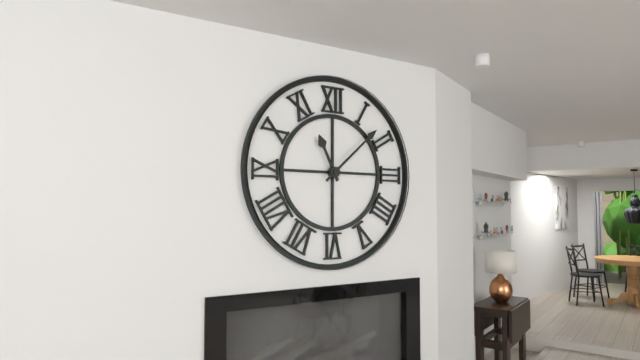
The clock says 11:08
